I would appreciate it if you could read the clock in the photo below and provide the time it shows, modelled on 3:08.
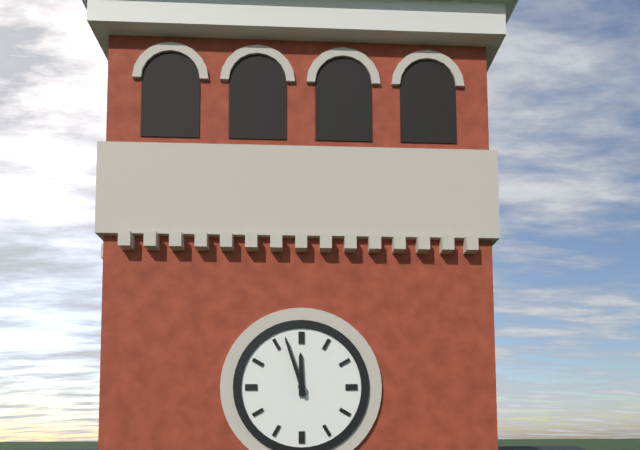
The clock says 11:57
